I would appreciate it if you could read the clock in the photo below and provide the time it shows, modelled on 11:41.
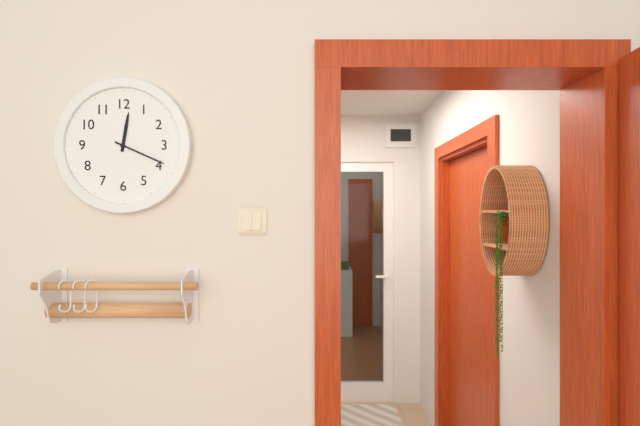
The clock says 12:19
